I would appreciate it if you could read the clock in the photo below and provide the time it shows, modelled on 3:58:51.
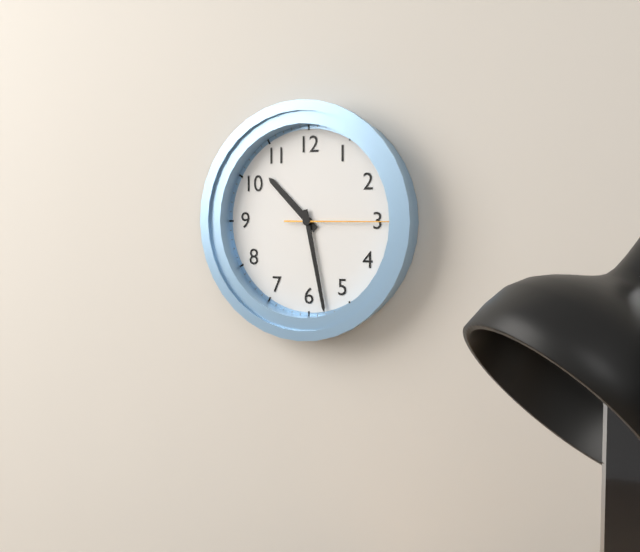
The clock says 10:28:15
